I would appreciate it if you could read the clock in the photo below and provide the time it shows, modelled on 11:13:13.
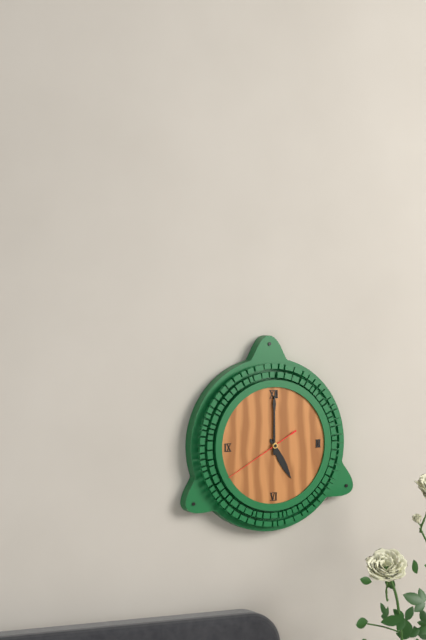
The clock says 5:00:40
